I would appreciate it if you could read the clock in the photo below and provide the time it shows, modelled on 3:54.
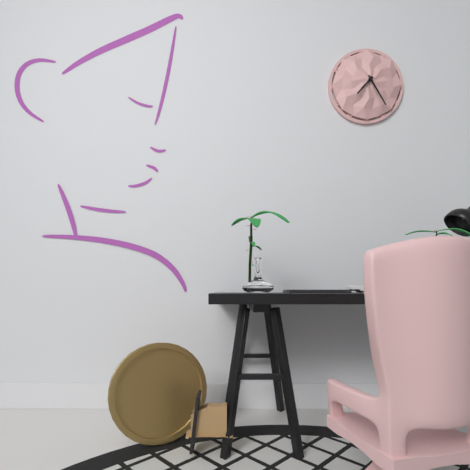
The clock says 7:25
